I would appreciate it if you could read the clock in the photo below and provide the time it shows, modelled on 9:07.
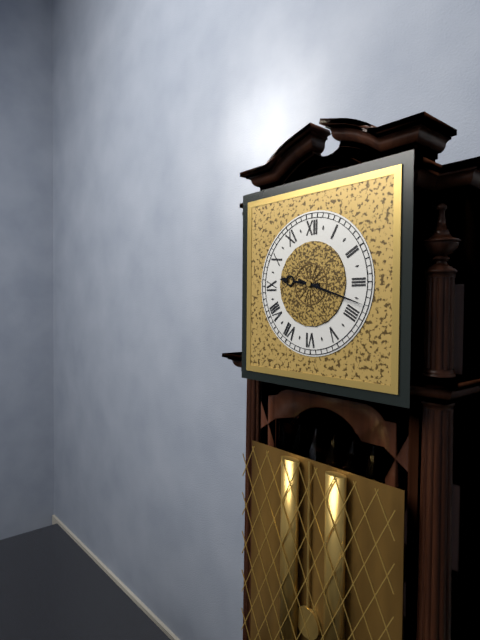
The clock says 9:18
